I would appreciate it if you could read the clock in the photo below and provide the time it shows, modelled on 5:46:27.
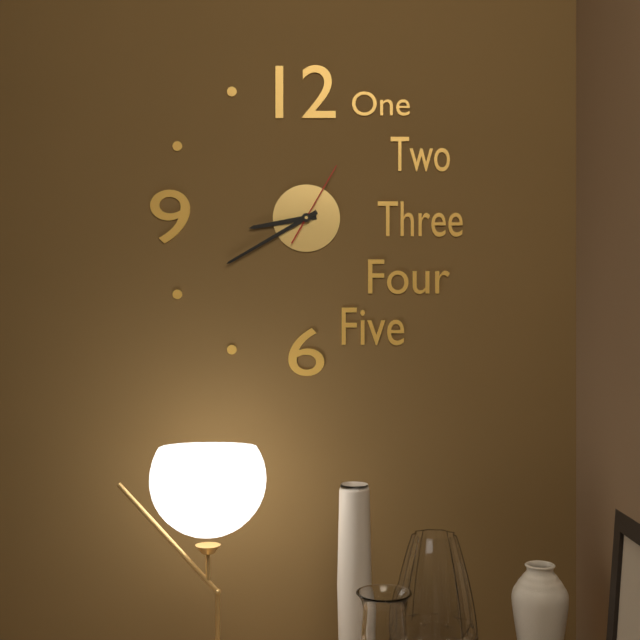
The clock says 8:40:05
